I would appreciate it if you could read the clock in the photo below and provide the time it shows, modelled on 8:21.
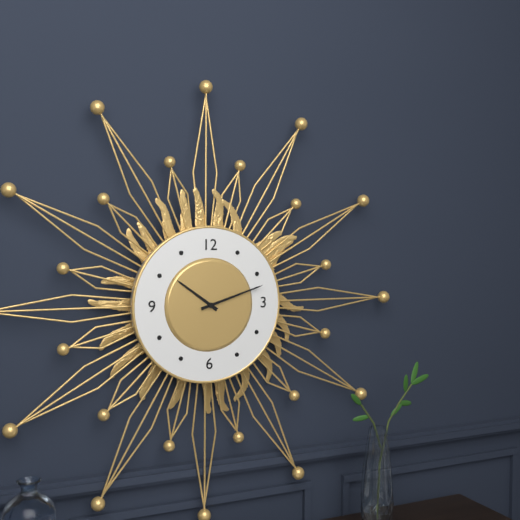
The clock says 10:12
